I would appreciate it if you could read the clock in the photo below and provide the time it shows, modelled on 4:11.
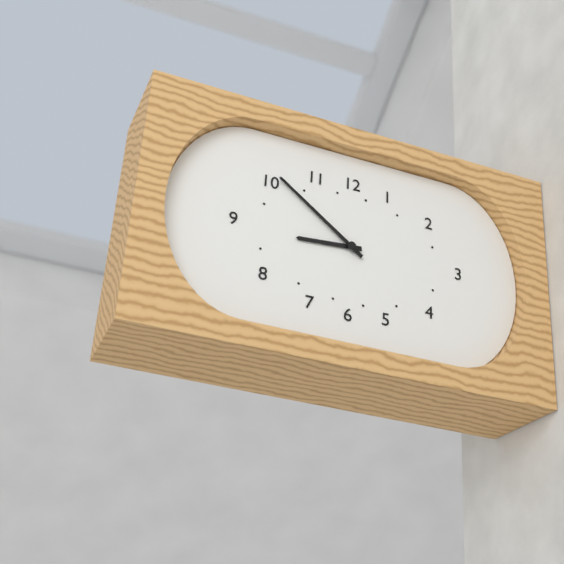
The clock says 8:51
